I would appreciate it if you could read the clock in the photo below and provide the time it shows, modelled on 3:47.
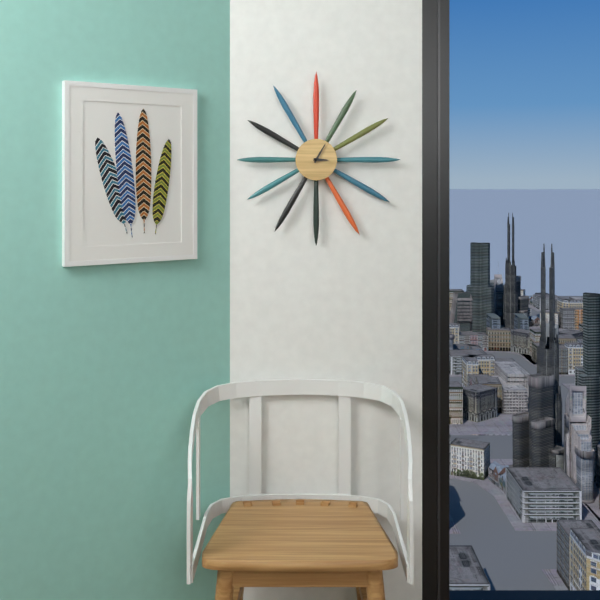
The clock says 3:05
